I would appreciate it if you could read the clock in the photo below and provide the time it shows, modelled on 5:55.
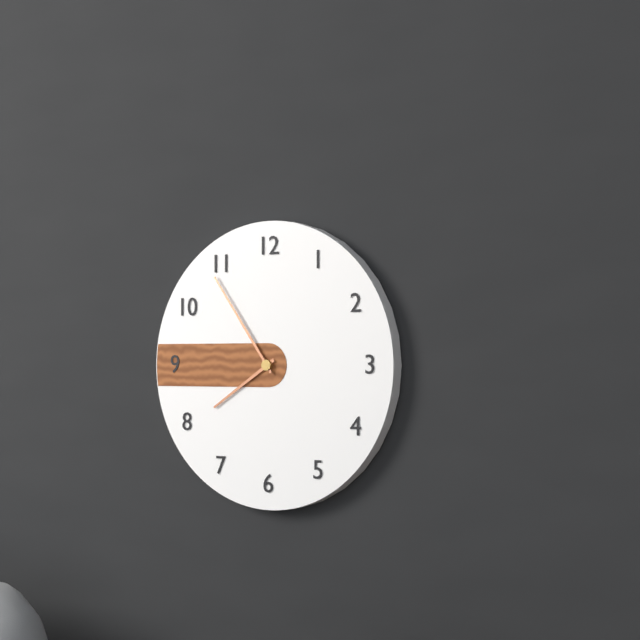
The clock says 7:54
